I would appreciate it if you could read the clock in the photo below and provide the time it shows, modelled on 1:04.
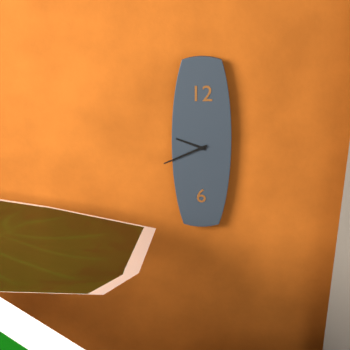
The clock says 9:41
